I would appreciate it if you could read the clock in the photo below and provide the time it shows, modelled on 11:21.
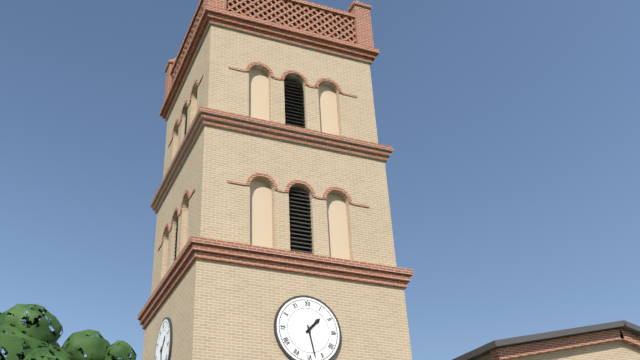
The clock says 1:28
